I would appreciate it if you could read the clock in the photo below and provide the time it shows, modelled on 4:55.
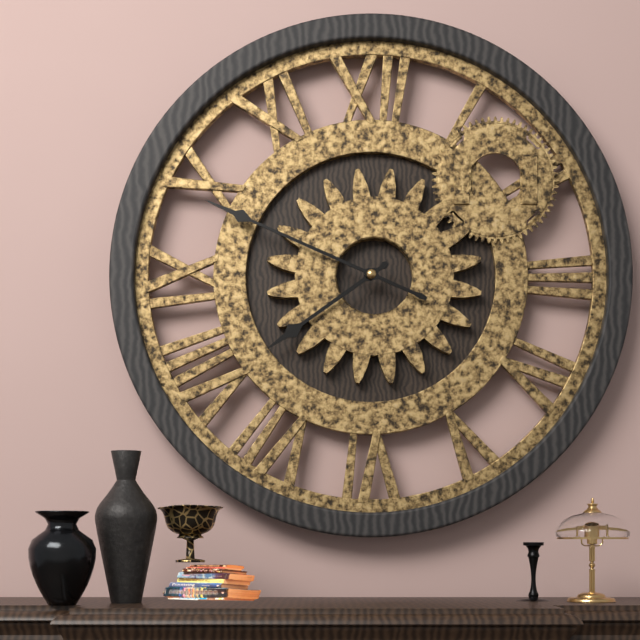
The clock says 7:49
